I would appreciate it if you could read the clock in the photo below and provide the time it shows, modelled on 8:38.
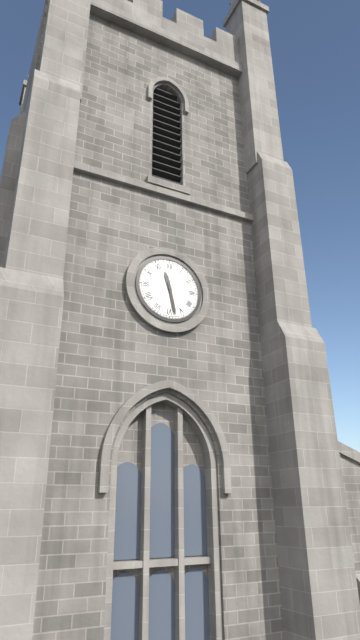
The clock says 11:28
